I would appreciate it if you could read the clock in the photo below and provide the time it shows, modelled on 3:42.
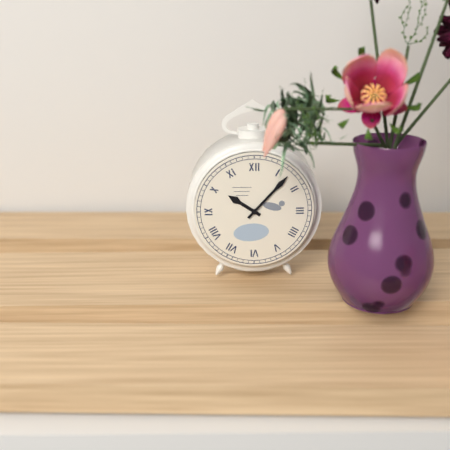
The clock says 10:07
